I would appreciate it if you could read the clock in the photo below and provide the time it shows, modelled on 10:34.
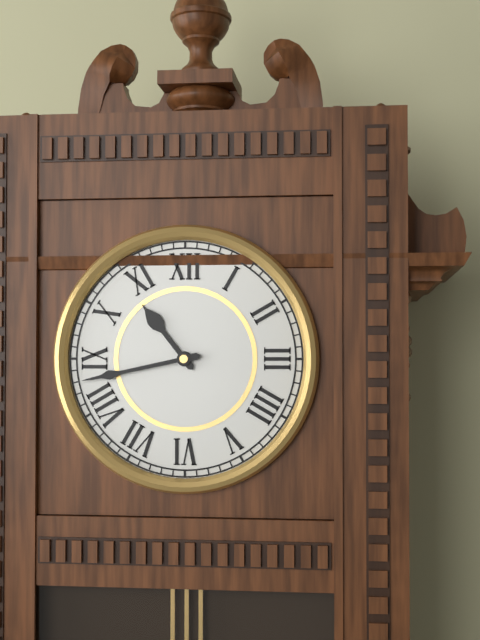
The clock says 10:43
